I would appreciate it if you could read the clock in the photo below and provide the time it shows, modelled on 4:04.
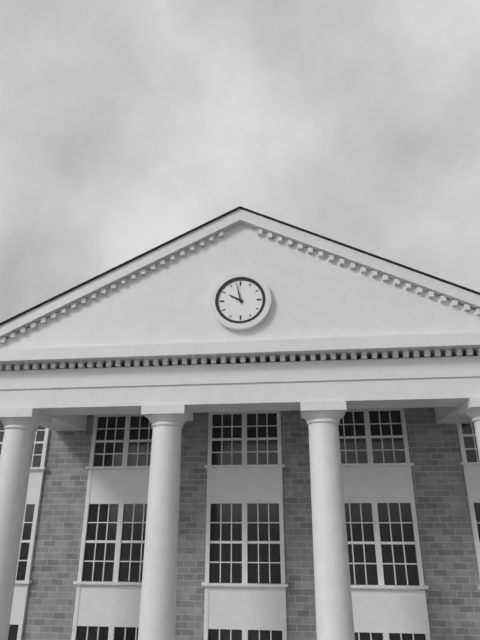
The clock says 9:58
